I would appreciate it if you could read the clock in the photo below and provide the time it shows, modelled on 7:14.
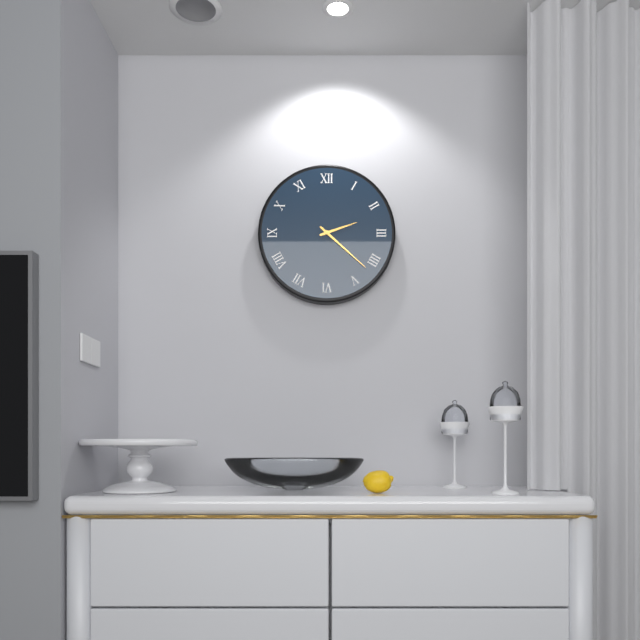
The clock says 2:22
